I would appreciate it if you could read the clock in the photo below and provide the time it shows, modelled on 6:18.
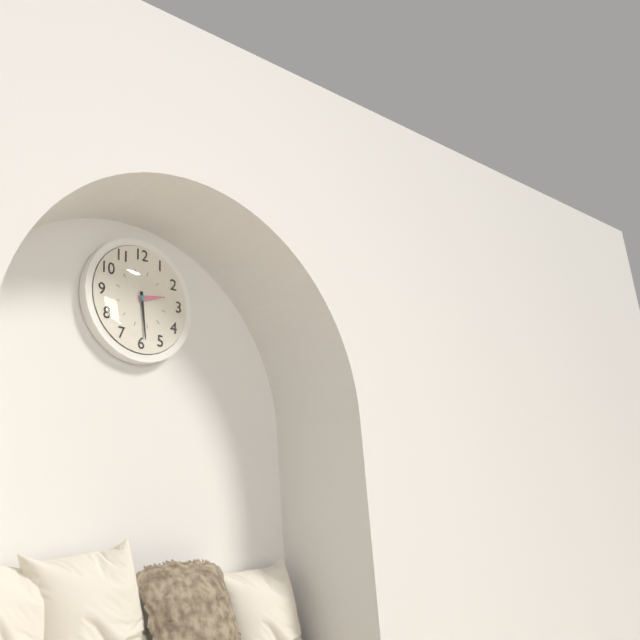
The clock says 2:29
